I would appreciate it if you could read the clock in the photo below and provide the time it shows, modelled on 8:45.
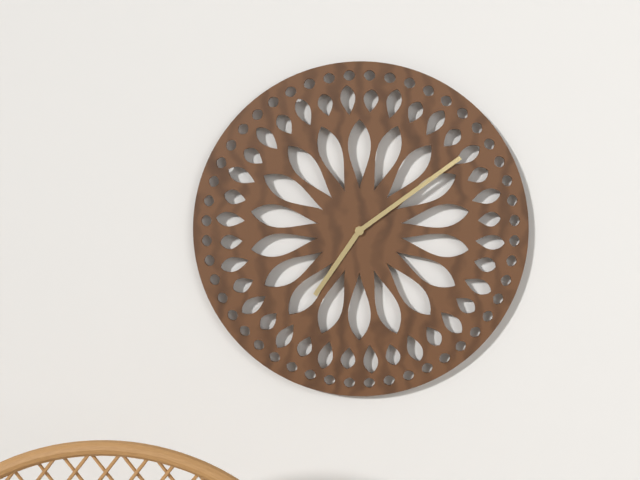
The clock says 7:09
